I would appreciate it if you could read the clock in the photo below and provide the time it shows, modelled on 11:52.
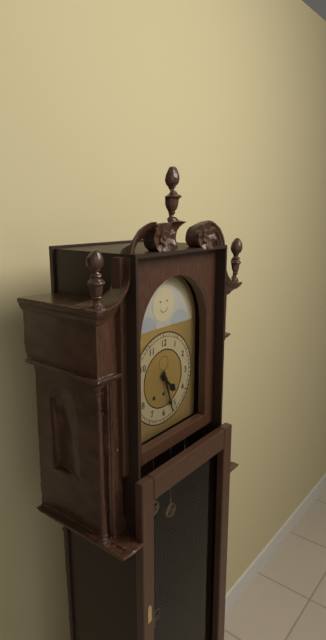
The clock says 4:27
